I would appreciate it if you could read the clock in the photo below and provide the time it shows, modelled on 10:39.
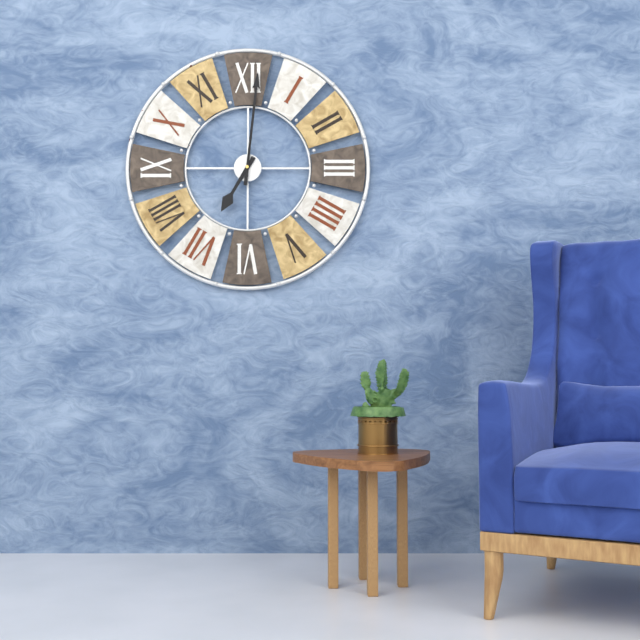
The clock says 7:01
